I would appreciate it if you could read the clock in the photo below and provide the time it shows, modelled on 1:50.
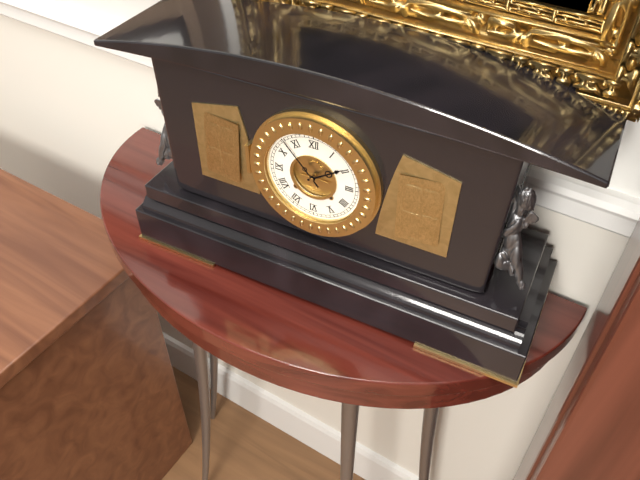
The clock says 1:53
